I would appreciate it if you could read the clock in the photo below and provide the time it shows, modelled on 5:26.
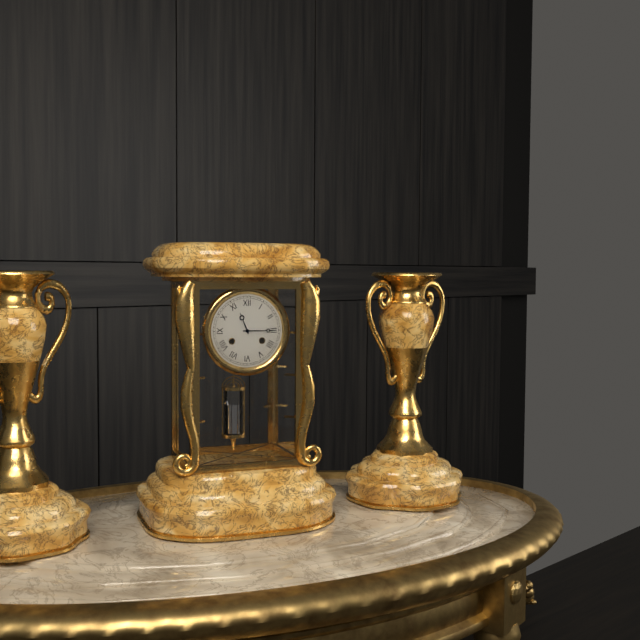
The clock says 11:15
